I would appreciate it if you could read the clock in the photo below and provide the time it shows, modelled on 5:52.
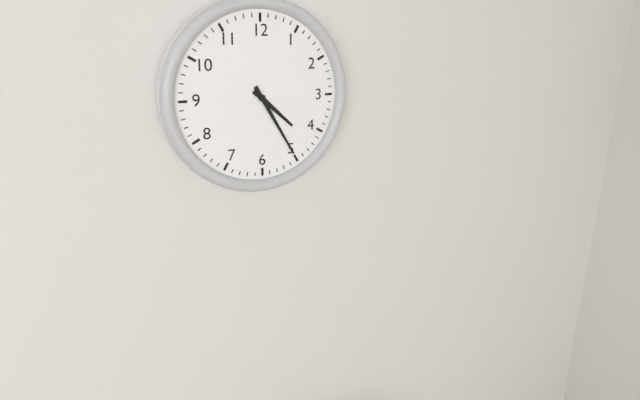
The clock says 4:25
